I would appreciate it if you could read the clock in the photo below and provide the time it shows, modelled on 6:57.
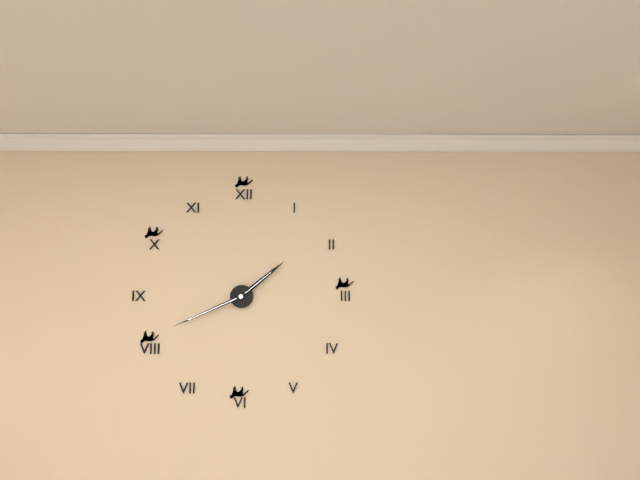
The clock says 1:41
